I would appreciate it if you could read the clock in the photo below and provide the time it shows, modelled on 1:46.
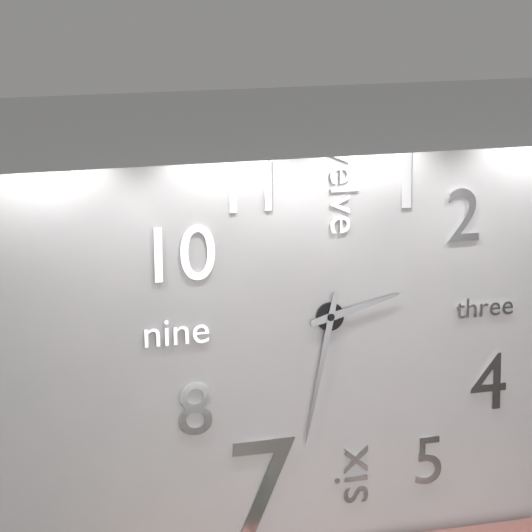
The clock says 2:32
